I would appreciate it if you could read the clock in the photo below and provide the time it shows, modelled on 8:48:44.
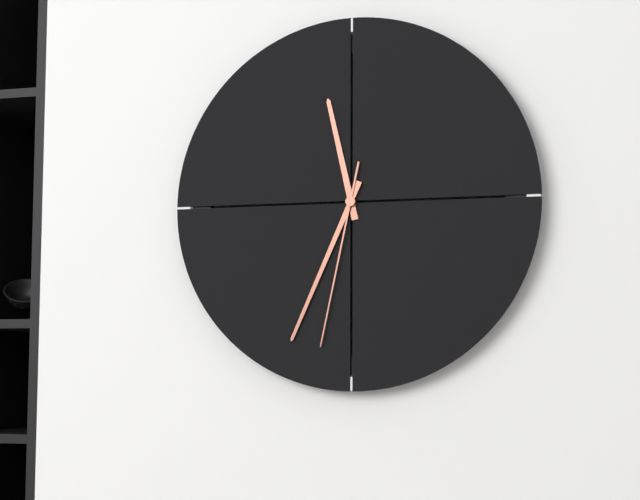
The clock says 11:34:32
